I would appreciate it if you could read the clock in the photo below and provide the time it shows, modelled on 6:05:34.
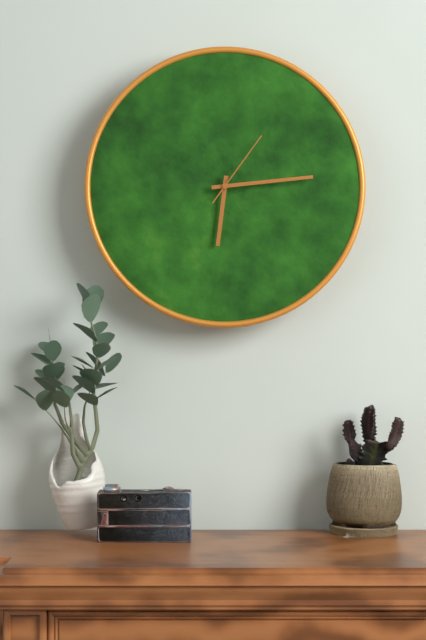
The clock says 6:14:06
